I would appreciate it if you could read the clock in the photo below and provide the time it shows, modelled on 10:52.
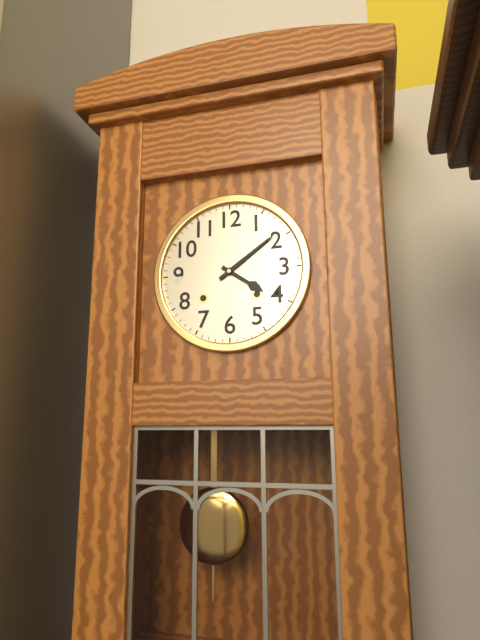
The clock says 4:09
